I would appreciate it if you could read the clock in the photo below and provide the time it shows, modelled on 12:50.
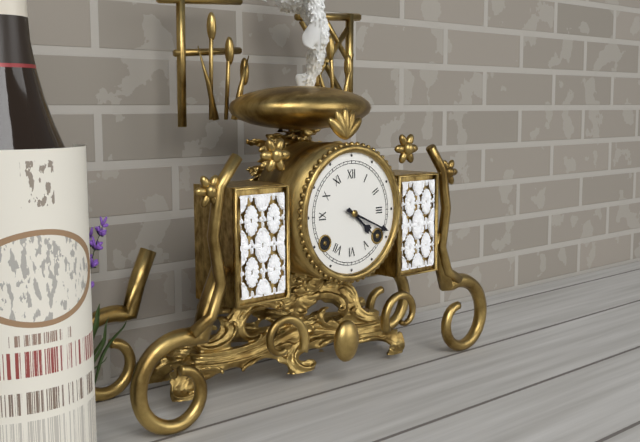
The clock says 4:19
